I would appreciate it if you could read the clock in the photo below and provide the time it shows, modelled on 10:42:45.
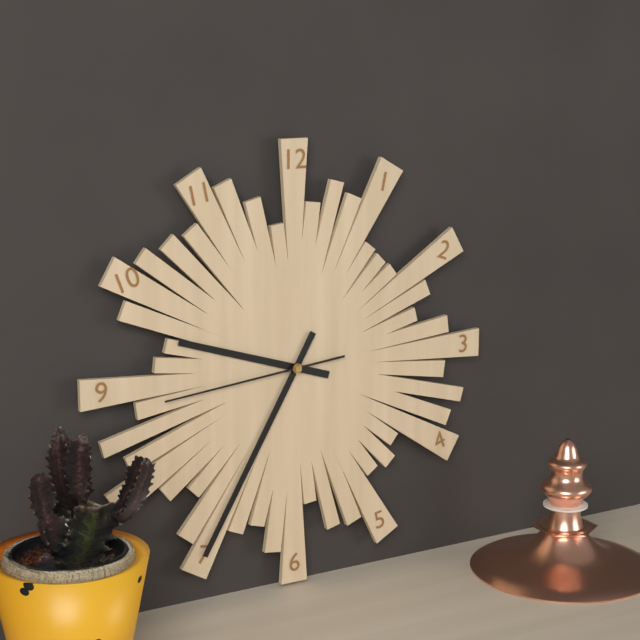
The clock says 9:35:44
